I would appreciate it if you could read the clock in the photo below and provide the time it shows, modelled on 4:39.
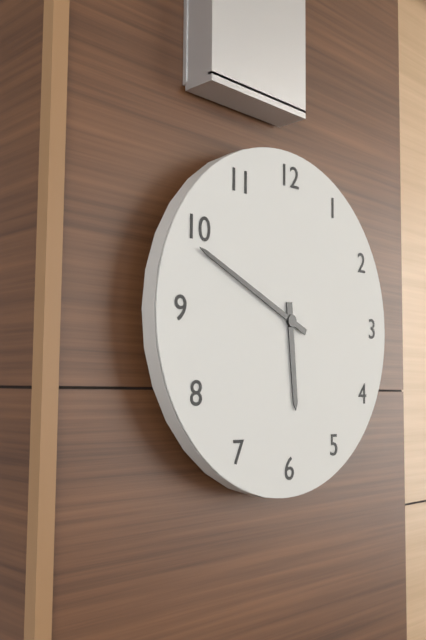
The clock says 5:49
